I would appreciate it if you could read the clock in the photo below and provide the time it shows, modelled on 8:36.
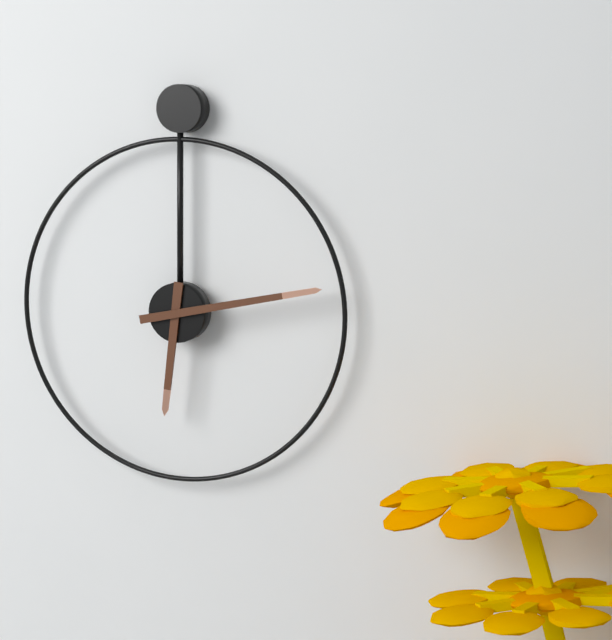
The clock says 6:13
